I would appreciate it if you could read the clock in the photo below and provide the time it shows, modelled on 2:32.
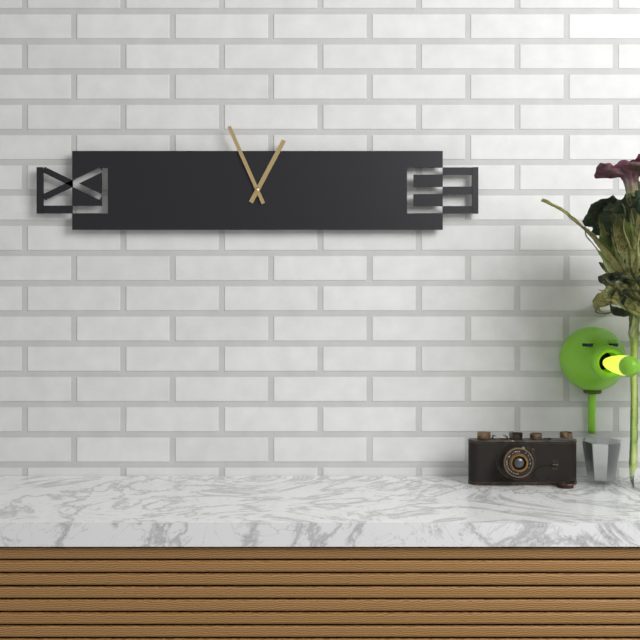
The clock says 12:56
